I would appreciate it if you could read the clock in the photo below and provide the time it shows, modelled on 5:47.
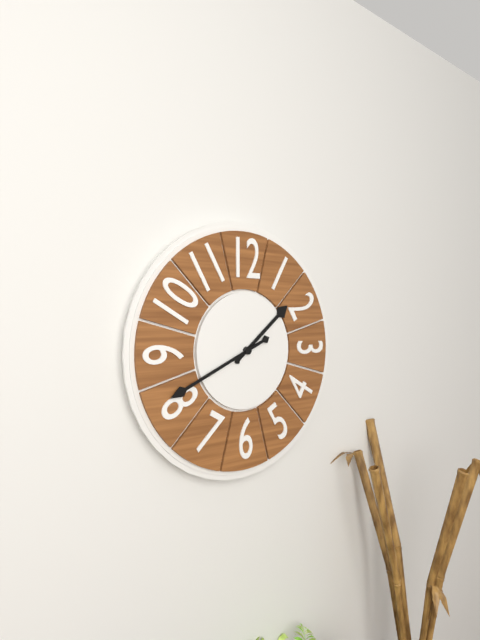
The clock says 1:41
